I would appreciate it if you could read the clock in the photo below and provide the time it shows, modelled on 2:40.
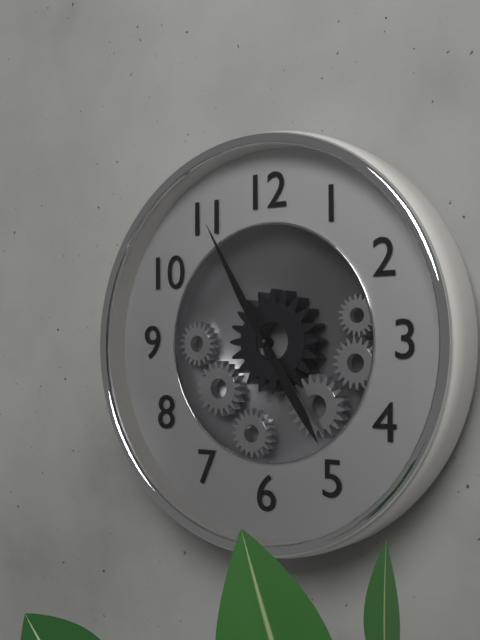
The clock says 4:55
